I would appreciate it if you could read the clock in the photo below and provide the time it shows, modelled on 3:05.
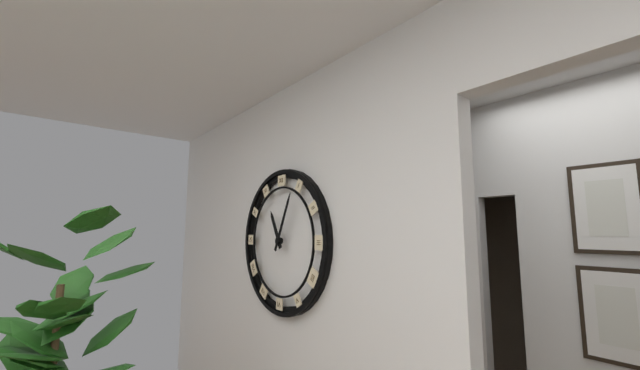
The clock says 11:04
